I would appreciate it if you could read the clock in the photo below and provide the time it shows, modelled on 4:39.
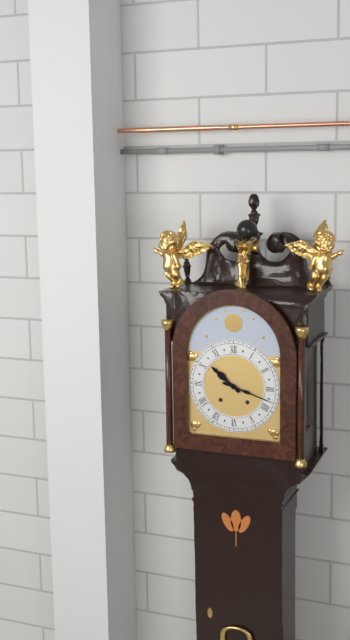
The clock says 10:18
